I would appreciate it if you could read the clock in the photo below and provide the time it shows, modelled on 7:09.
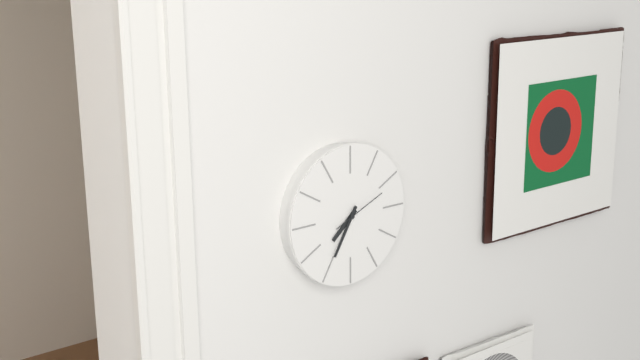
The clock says 7:35
